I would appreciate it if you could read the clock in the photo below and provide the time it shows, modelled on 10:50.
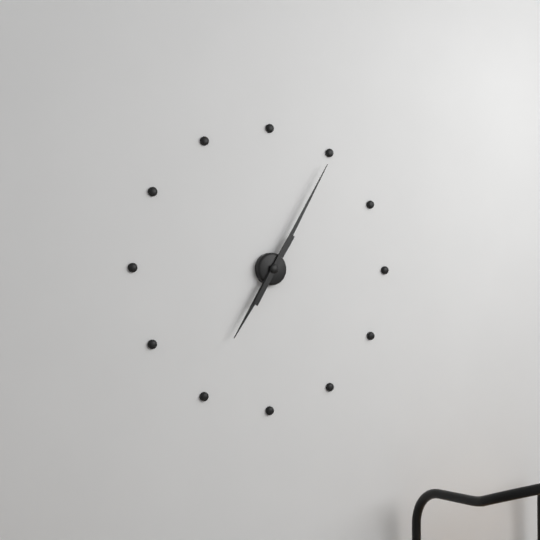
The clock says 7:05
